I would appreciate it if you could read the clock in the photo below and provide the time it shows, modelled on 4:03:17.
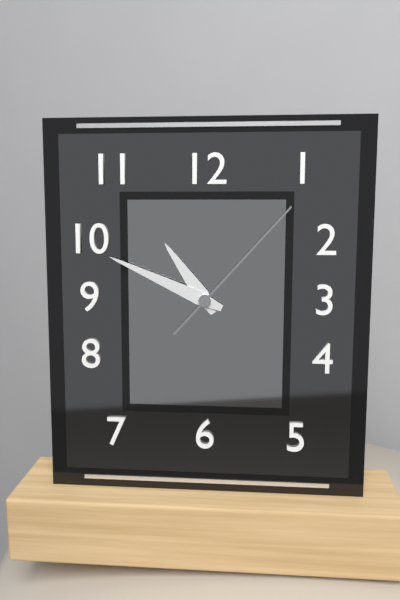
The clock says 10:49:07
